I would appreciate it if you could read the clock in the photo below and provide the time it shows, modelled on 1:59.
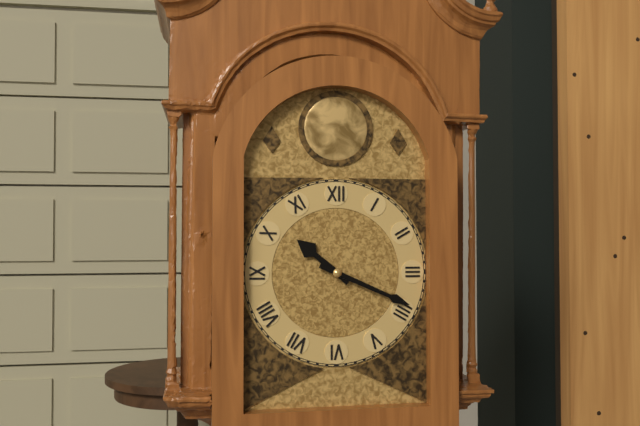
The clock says 10:19
